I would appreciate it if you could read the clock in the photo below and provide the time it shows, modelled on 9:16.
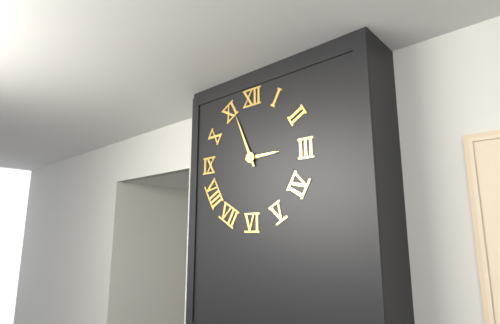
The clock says 2:56
